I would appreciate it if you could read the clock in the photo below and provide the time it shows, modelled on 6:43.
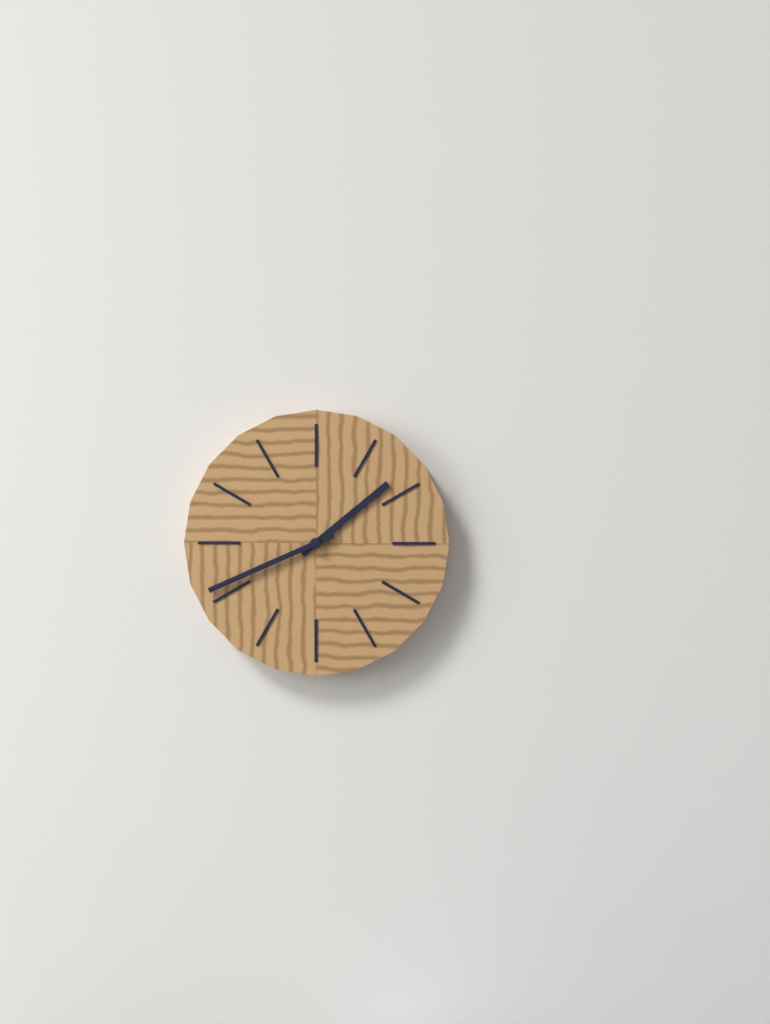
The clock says 1:41
